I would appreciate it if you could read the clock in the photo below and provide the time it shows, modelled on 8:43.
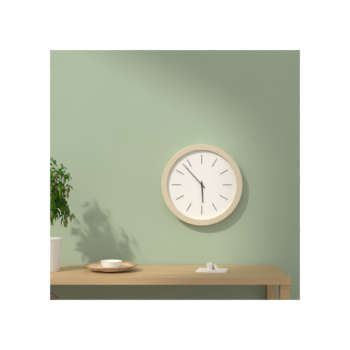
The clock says 5:53
